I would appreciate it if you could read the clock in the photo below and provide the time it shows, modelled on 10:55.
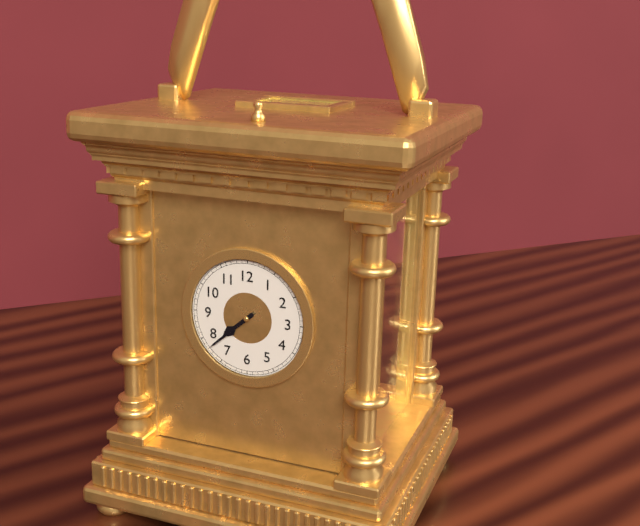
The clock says 7:38
